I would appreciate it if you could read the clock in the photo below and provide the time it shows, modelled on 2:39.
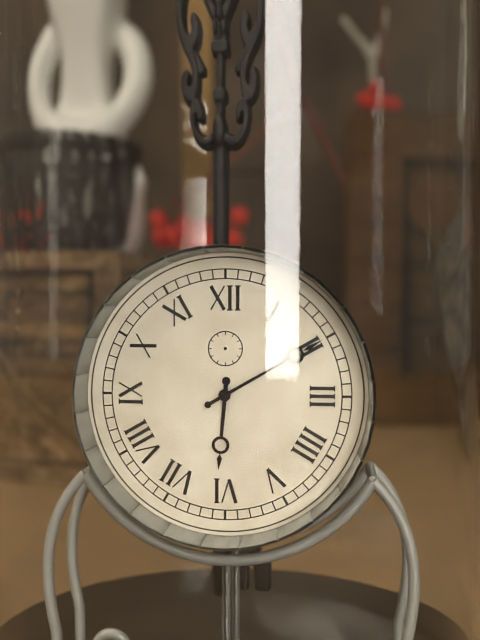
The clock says 6:10
